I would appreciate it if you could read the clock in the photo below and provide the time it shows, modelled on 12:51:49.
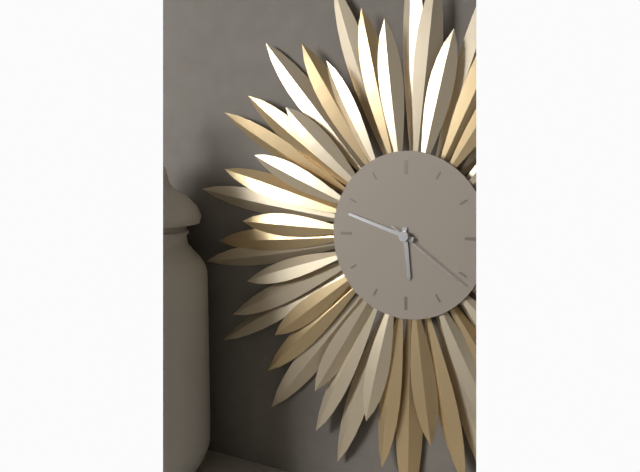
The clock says 5:48:21
